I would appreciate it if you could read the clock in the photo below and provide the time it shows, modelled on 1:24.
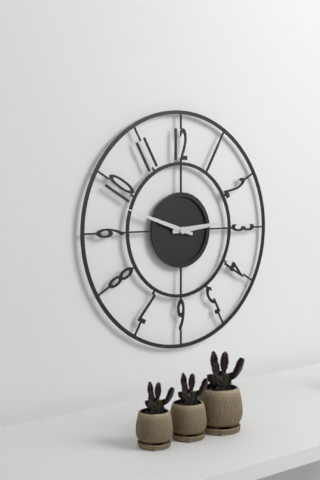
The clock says 2:48
